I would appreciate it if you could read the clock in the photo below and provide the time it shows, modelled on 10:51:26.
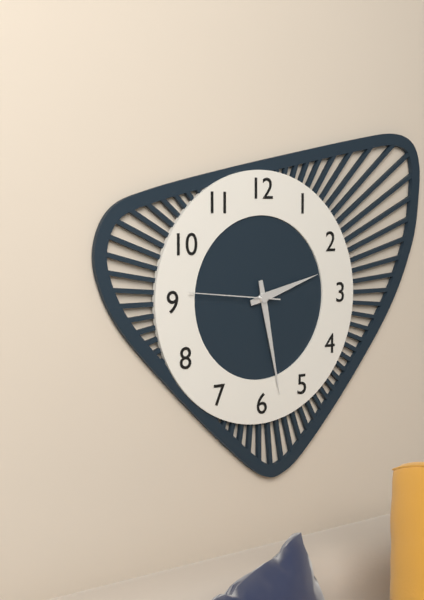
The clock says 2:28:46
